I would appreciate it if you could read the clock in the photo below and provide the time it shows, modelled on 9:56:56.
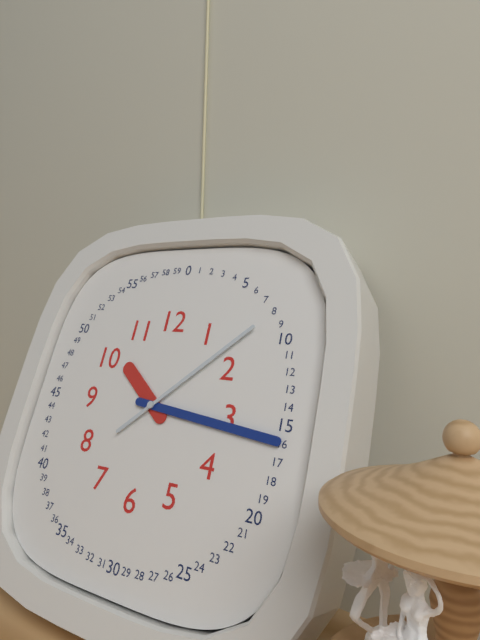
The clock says 10:16:08
